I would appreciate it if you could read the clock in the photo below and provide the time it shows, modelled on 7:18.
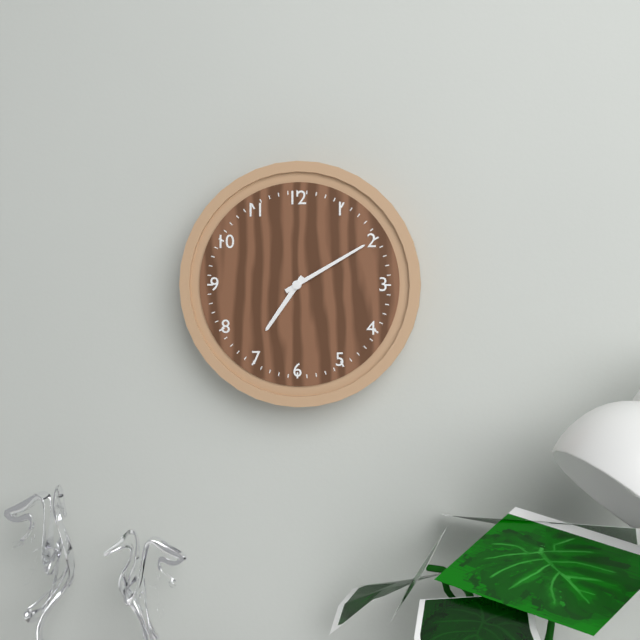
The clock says 7:10
